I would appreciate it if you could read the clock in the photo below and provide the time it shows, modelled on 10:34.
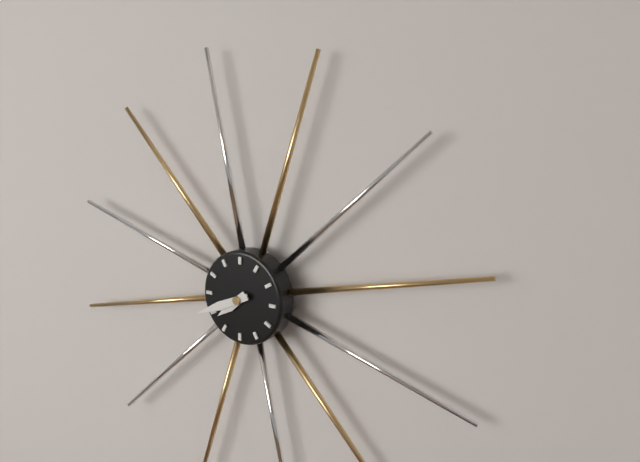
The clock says 7:41
